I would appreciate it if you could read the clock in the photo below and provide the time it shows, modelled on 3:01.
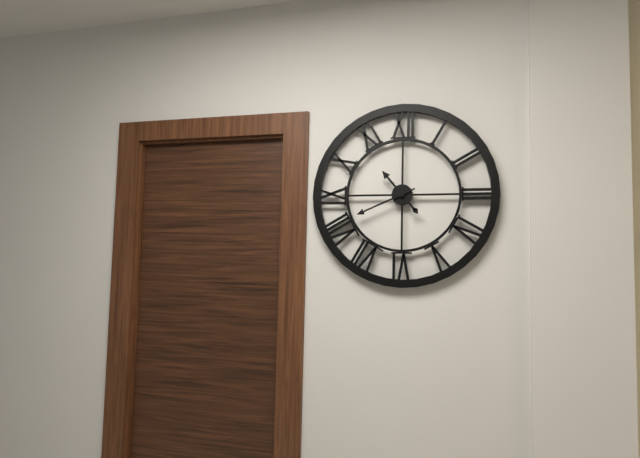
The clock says 10:41
